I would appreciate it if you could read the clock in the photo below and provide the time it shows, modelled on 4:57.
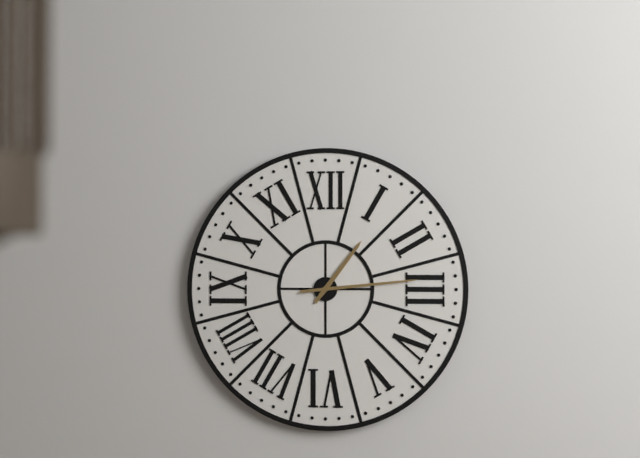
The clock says 1:14
